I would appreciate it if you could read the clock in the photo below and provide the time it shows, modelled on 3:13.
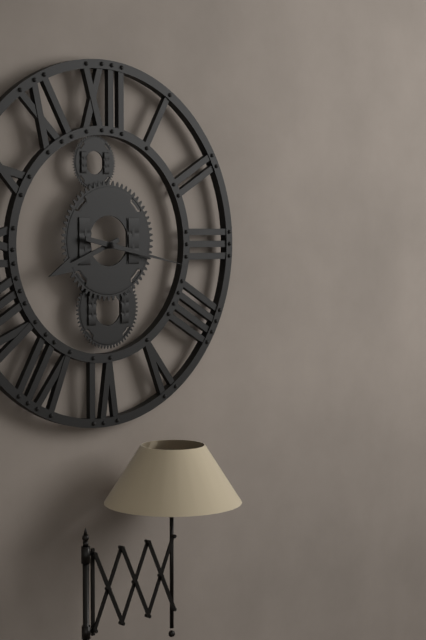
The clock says 8:17
